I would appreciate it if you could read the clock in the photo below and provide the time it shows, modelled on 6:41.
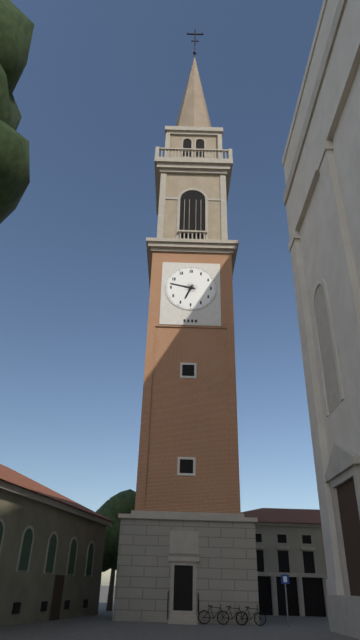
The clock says 6:47
